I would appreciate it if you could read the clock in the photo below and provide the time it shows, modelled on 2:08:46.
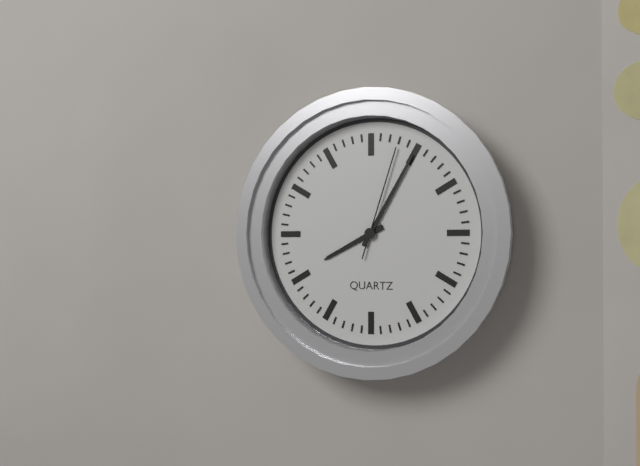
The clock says 8:05:03
